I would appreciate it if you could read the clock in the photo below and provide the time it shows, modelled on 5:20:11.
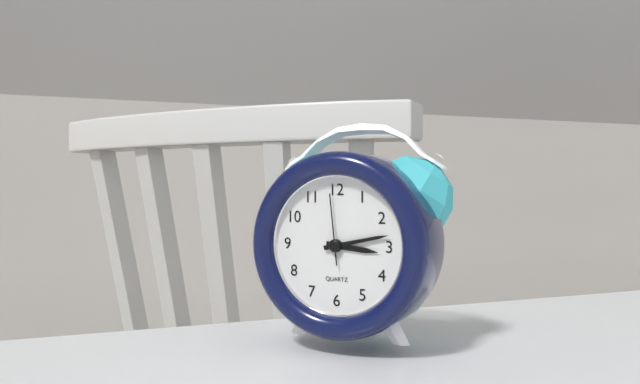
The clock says 3:13:59
